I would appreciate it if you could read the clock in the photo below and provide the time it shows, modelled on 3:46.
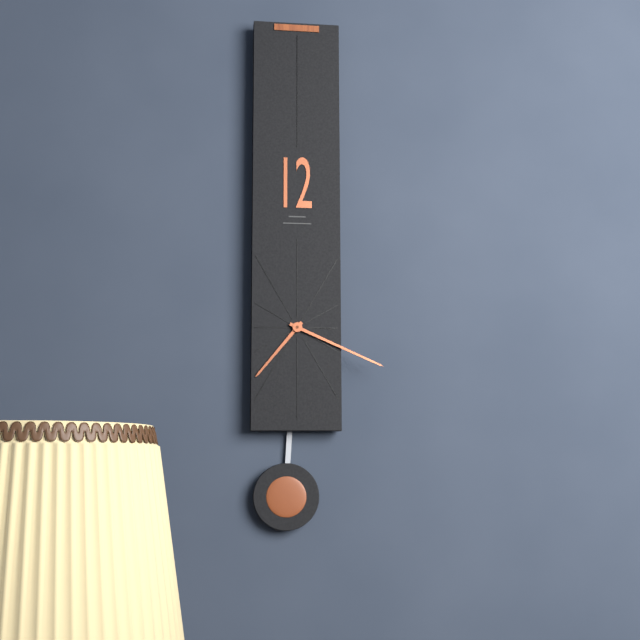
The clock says 7:19
